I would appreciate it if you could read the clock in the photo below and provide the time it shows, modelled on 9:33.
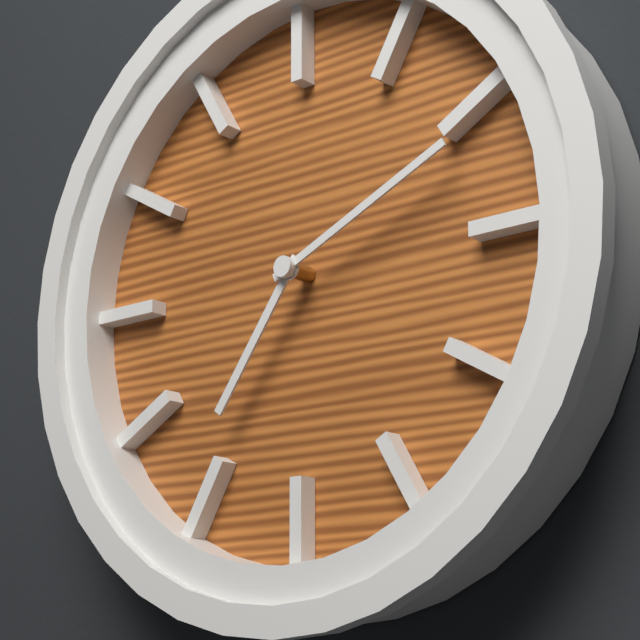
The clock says 7:11
